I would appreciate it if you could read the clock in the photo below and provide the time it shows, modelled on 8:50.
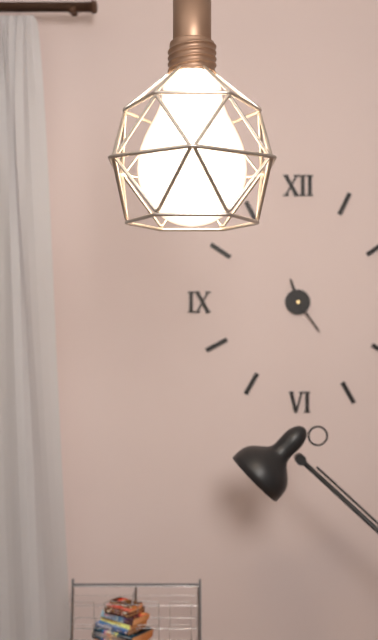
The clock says 11:24
